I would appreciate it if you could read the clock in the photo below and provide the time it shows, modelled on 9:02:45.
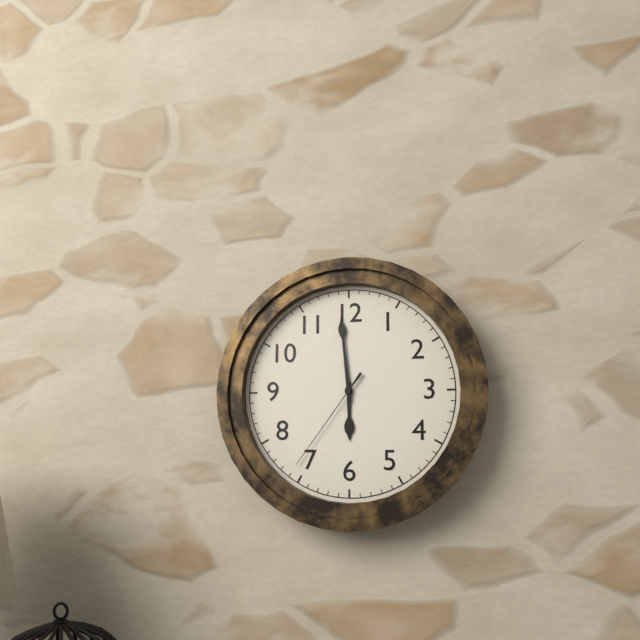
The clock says 5:59:36
